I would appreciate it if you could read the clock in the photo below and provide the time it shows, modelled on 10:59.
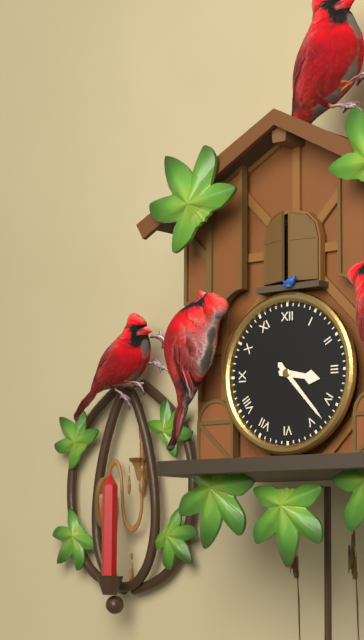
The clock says 3:23
